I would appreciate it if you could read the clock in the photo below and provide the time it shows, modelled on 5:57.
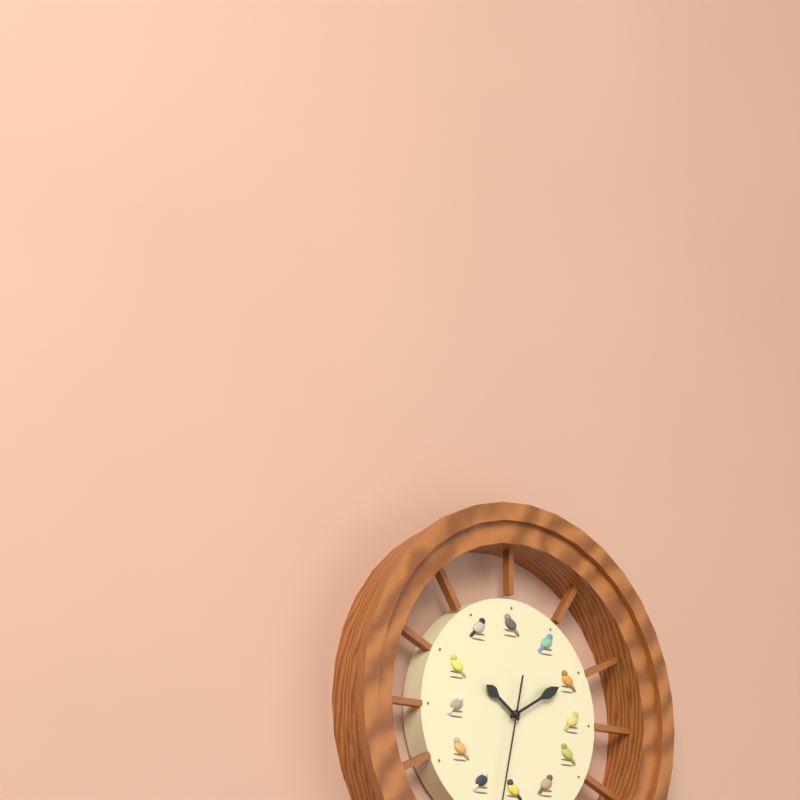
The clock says 10:10
